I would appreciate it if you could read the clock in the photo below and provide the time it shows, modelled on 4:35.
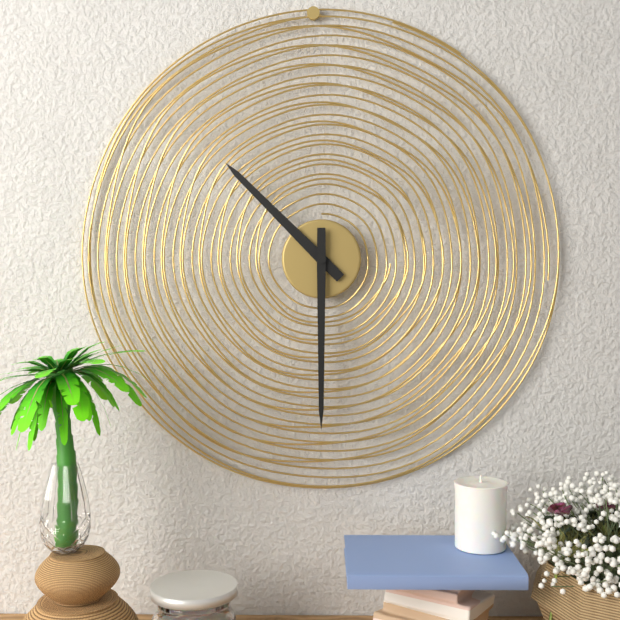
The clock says 10:30
